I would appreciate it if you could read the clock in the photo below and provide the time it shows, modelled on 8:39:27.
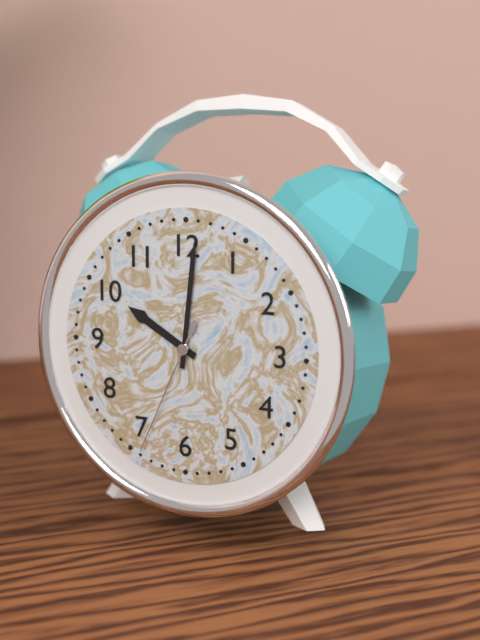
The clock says 10:01:34
